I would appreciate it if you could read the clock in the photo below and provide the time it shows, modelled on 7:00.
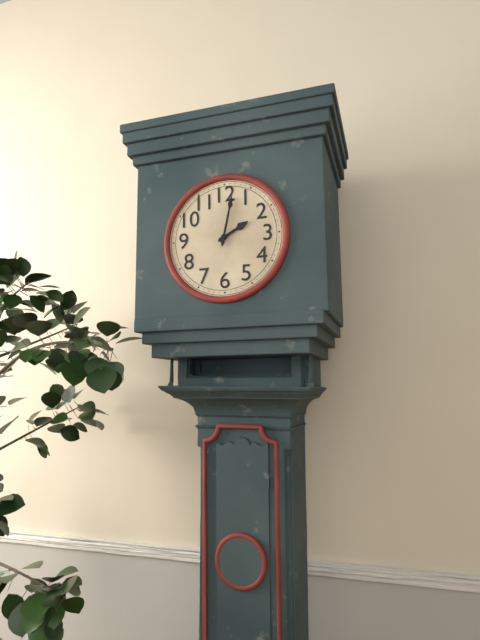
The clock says 2:02
